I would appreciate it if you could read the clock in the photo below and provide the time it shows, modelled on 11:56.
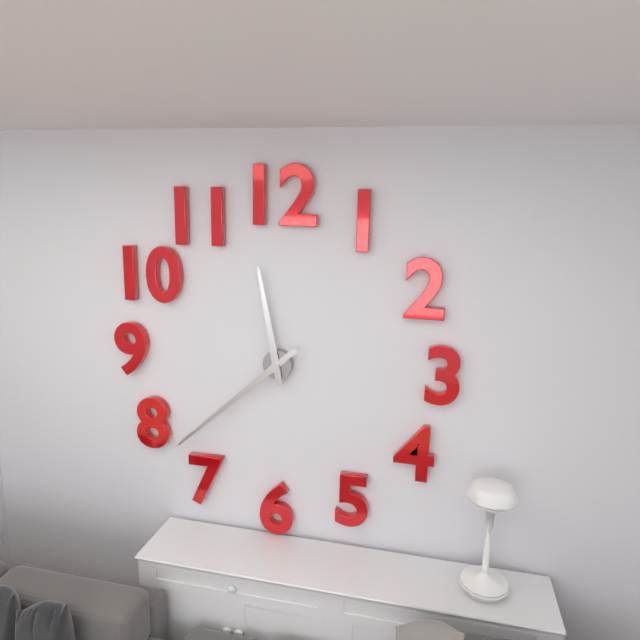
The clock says 11:38
